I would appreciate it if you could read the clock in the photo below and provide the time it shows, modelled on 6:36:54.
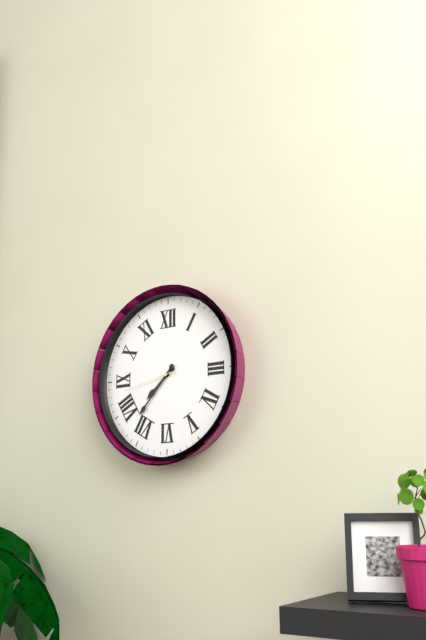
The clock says 7:37:43
